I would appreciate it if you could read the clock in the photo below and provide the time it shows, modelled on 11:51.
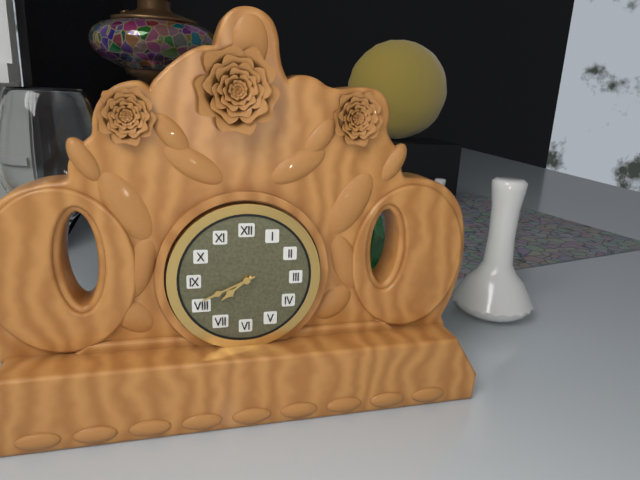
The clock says 7:41
